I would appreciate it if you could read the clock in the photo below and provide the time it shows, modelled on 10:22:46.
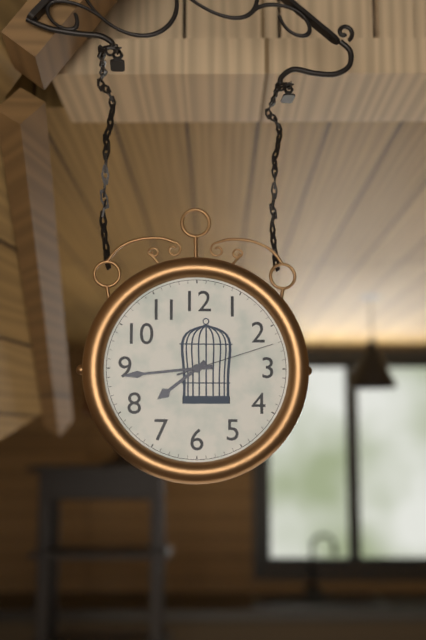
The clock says 7:44:12
